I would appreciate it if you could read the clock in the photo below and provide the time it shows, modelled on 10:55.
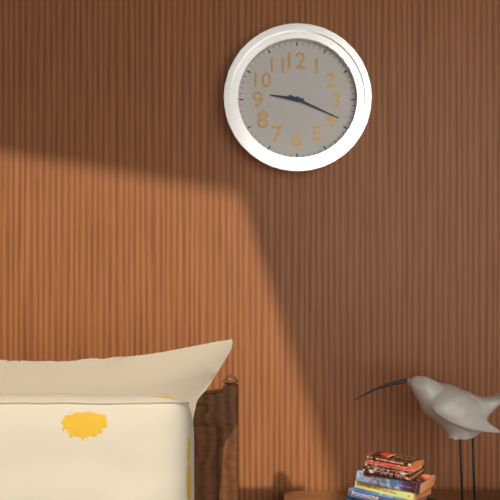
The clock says 9:19
